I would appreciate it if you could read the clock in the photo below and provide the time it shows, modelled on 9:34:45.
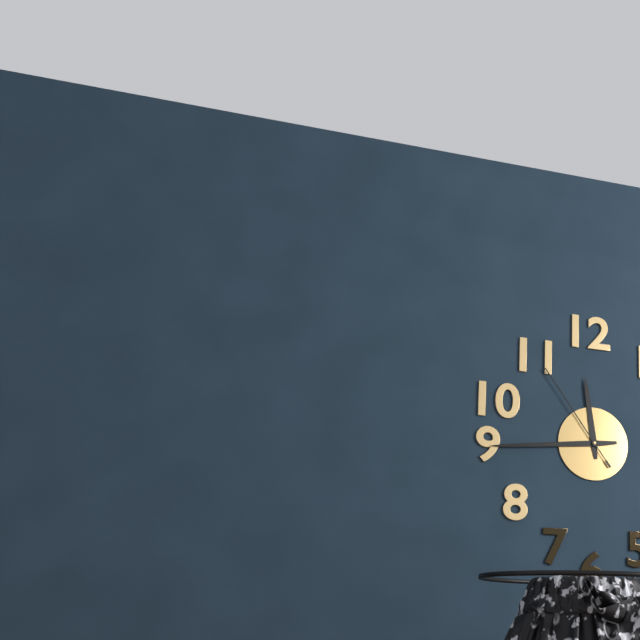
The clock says 11:44:54
